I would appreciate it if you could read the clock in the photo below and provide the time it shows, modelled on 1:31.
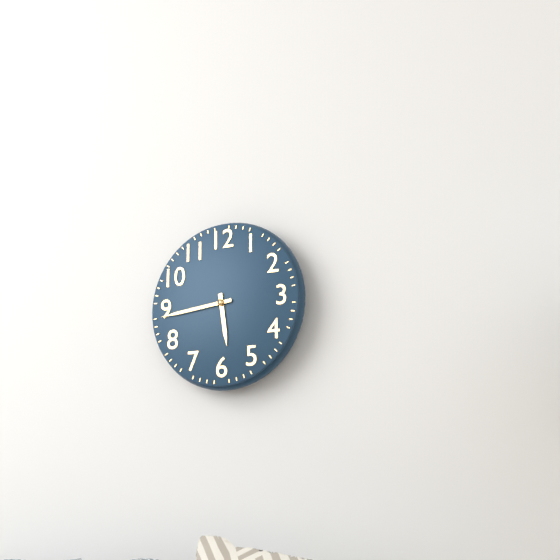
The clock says 5:44
